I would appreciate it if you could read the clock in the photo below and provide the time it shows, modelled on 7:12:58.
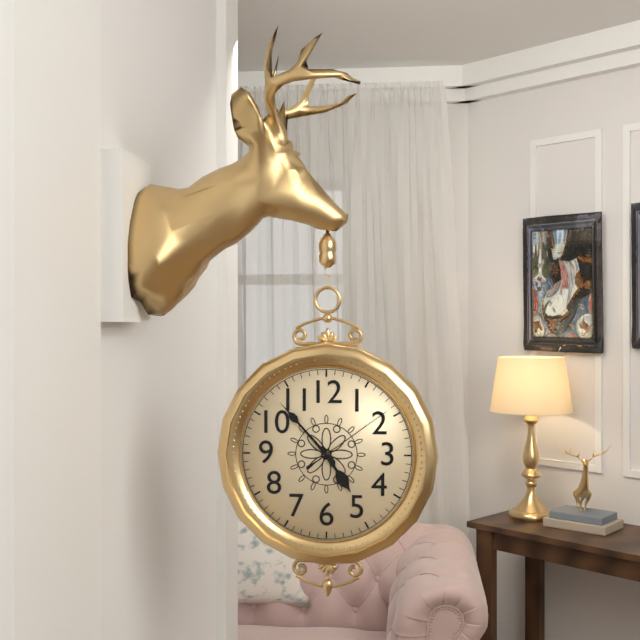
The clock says 4:53:09
